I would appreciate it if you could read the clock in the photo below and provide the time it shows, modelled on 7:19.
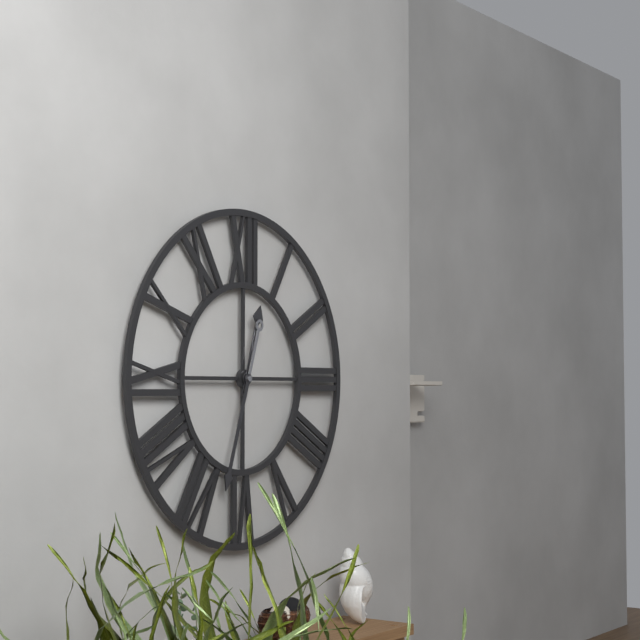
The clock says 12:33
